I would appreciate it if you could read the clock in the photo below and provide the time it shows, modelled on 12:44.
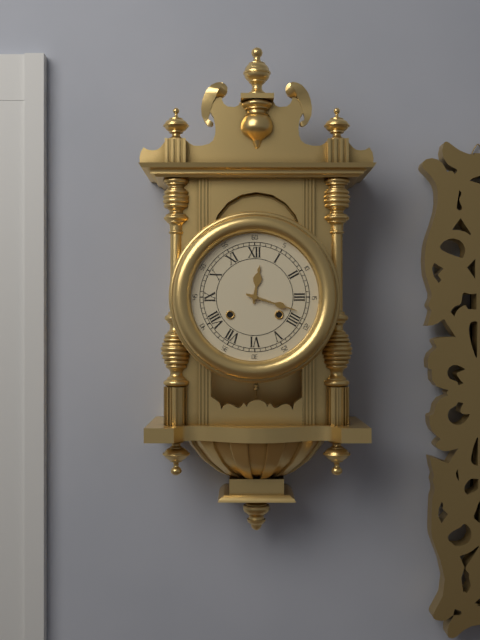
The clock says 12:18
